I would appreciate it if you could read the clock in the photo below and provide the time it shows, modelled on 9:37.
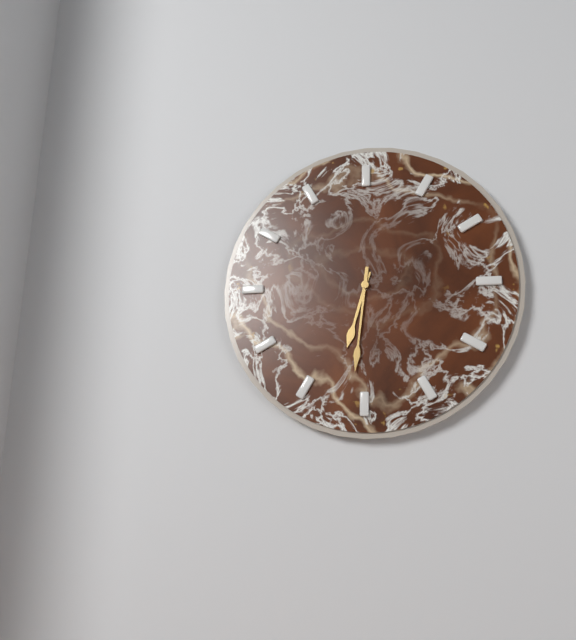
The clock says 6:31
